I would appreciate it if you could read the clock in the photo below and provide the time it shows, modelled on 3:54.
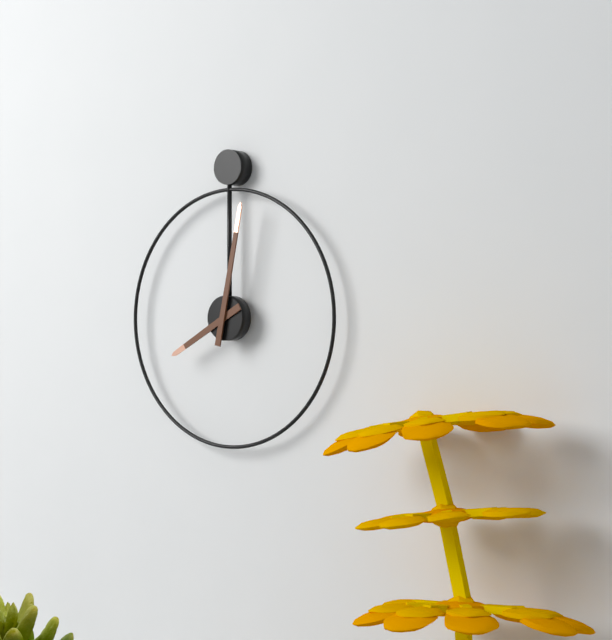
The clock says 8:02
